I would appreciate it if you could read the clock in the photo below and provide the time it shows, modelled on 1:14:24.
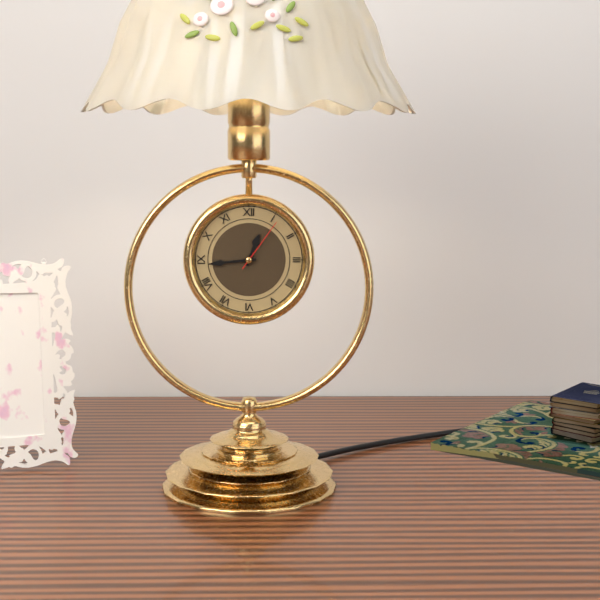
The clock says 12:44:06
